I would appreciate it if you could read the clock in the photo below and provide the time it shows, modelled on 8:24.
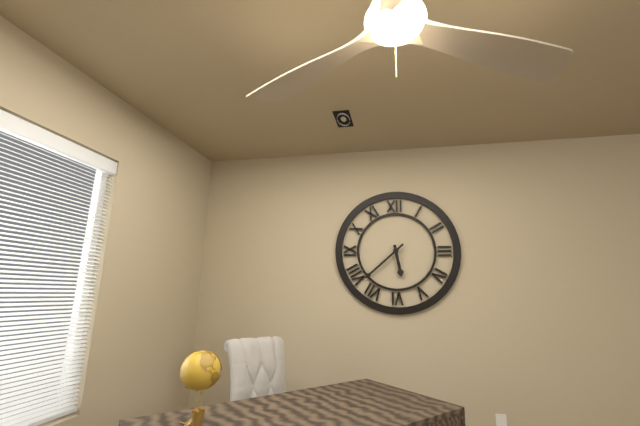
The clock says 5:38
